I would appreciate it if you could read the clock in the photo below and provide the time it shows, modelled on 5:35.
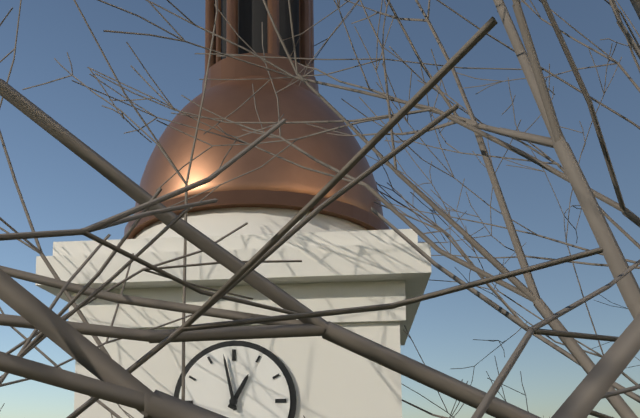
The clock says 12:58
